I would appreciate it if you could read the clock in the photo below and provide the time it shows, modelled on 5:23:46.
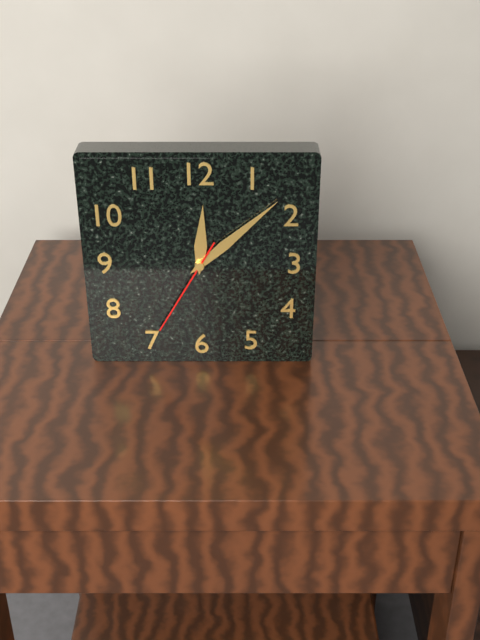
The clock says 12:08:35
